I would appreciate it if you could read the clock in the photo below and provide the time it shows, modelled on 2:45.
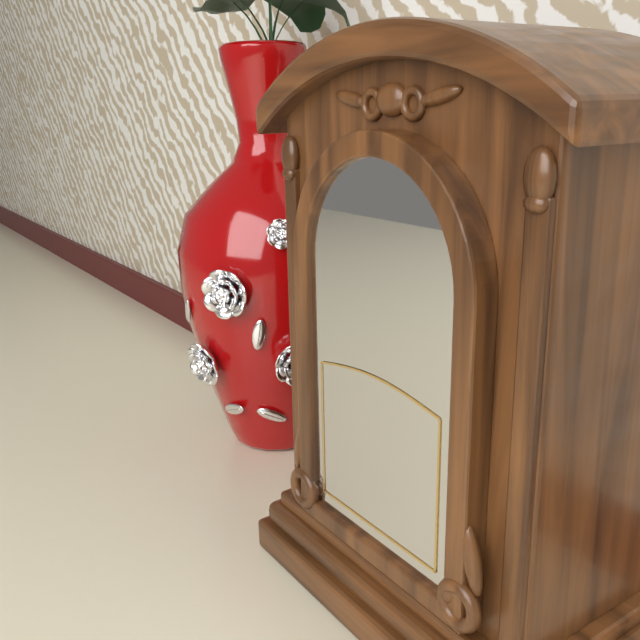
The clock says 3:31
